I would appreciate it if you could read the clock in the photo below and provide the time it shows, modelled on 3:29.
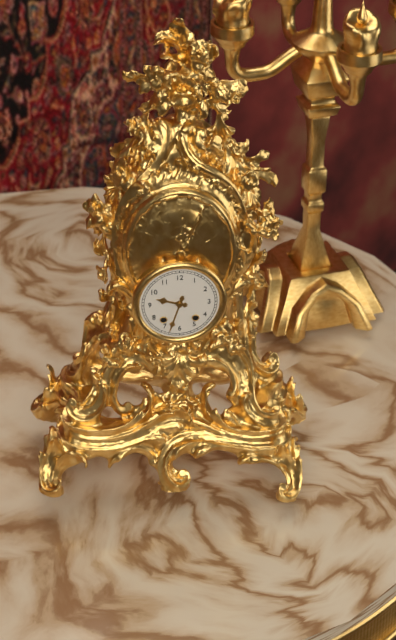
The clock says 9:33
